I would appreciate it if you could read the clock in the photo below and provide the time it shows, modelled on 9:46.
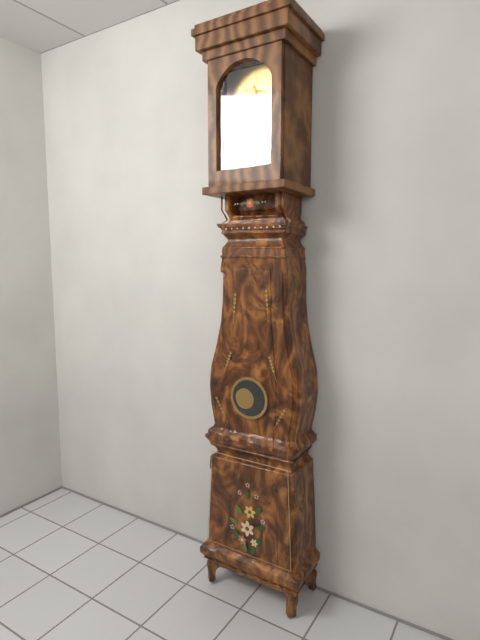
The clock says 1:41
